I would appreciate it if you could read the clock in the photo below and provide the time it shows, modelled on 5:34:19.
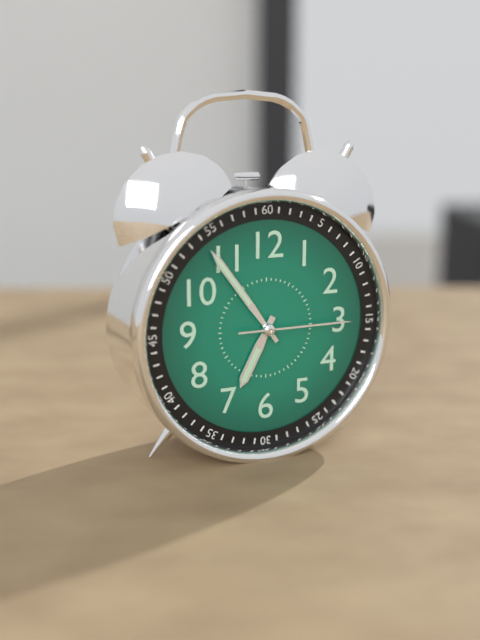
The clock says 6:54:15
